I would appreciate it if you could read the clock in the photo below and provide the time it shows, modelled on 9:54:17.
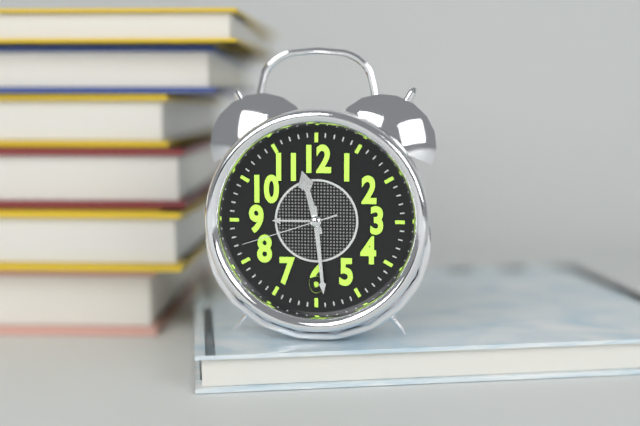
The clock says 11:29:42
